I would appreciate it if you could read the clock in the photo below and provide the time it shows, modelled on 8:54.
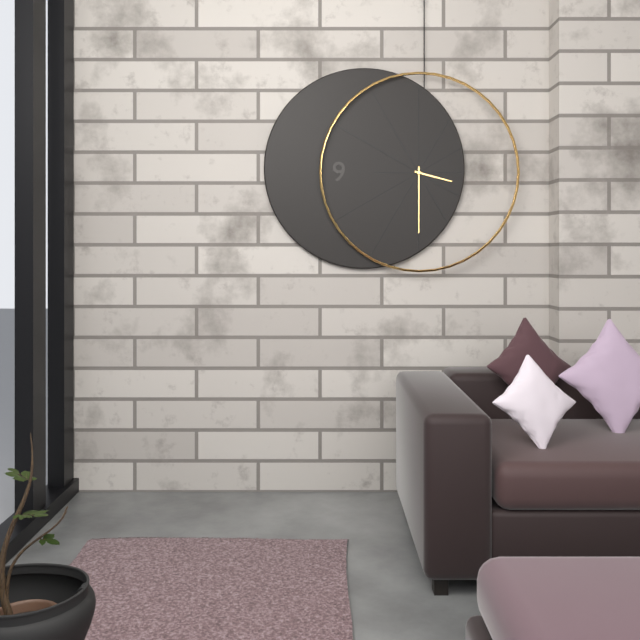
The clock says 3:30
